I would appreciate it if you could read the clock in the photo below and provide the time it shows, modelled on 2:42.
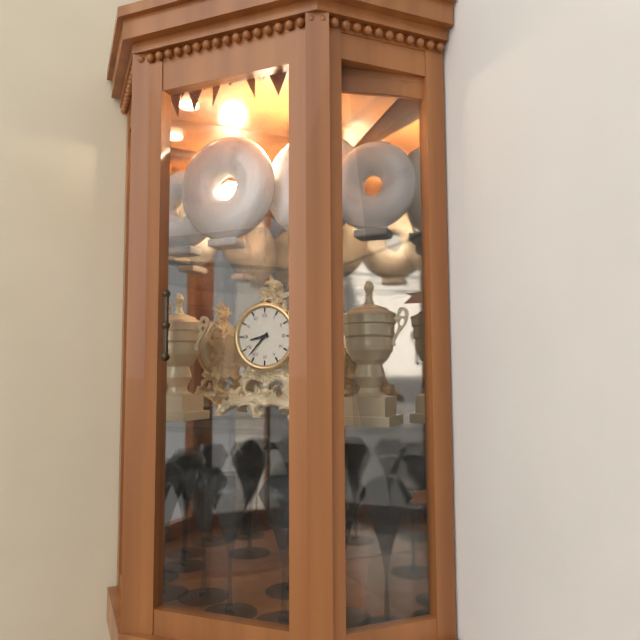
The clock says 8:37
